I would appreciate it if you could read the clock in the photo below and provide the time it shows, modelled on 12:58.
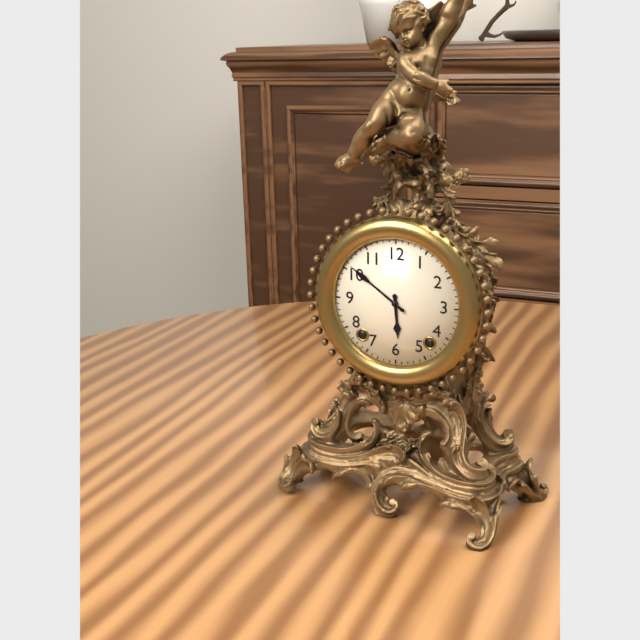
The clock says 5:51
